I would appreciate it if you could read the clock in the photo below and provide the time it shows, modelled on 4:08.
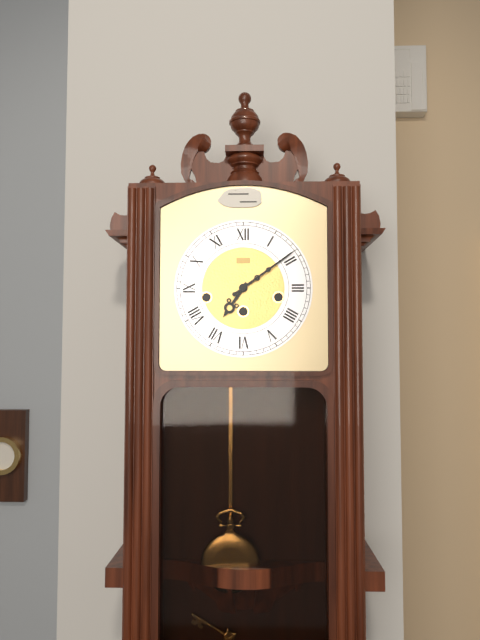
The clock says 7:09
